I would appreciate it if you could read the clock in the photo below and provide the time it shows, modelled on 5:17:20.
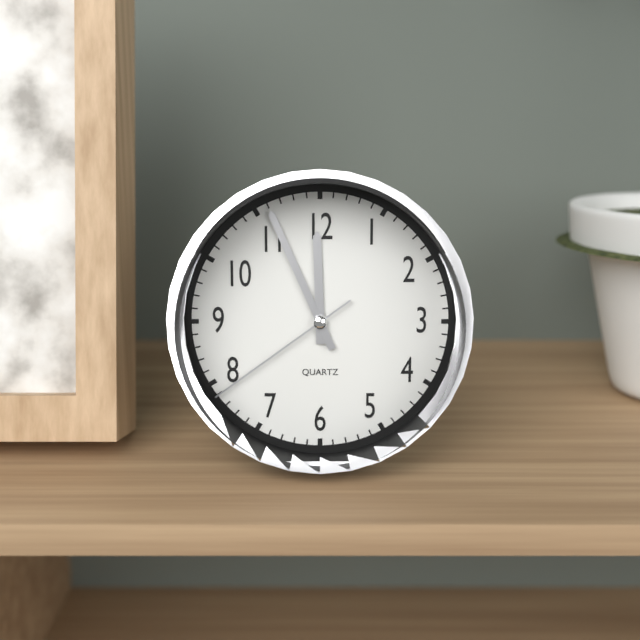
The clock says 11:56:39
